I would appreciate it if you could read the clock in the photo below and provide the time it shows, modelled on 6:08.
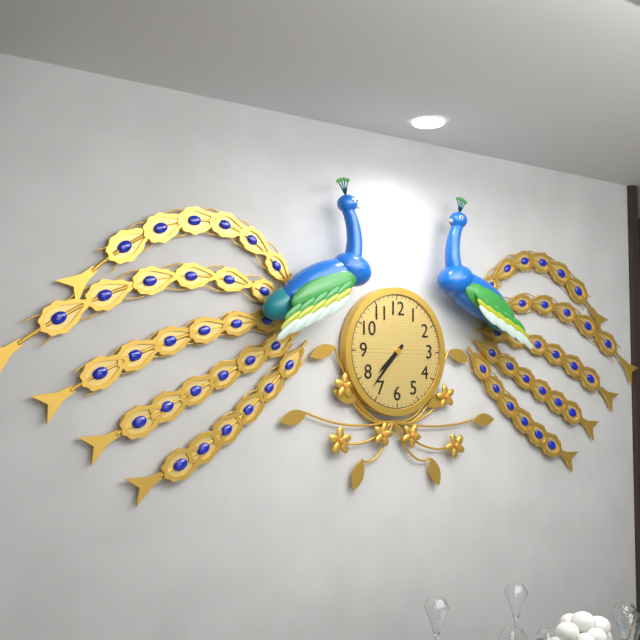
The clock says 7:37
